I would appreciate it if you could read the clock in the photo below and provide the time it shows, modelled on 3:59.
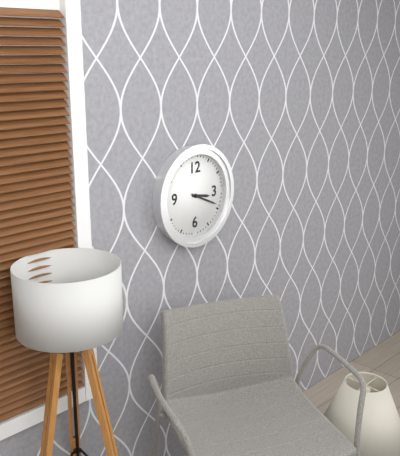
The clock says 3:19
